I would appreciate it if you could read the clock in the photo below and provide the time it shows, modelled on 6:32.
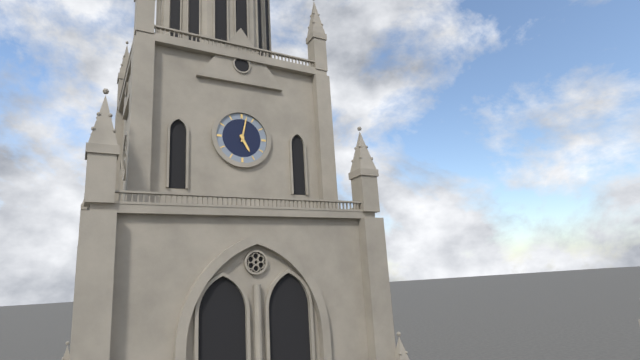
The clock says 5:02
